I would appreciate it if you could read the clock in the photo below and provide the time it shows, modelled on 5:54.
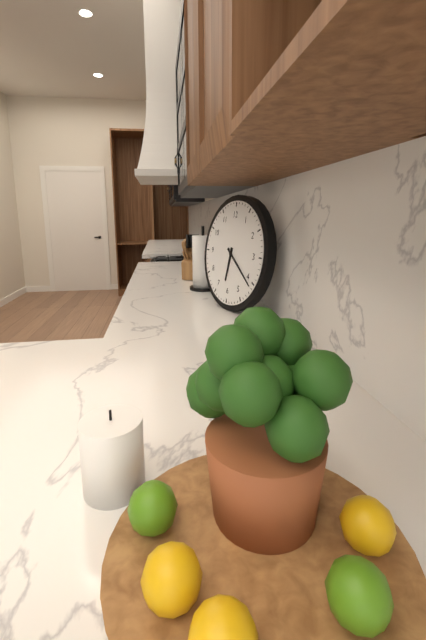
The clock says 6:21
